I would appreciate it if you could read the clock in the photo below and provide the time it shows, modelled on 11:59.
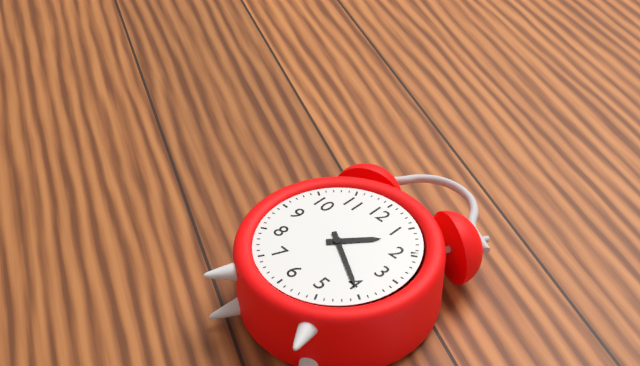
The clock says 1:20
